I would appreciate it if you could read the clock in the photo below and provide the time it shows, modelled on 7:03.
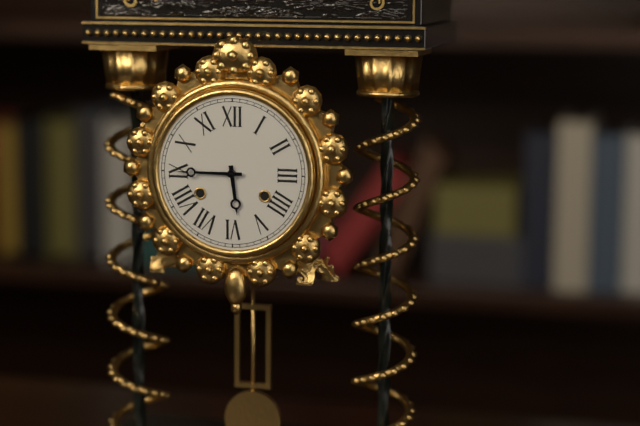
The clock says 5:45
